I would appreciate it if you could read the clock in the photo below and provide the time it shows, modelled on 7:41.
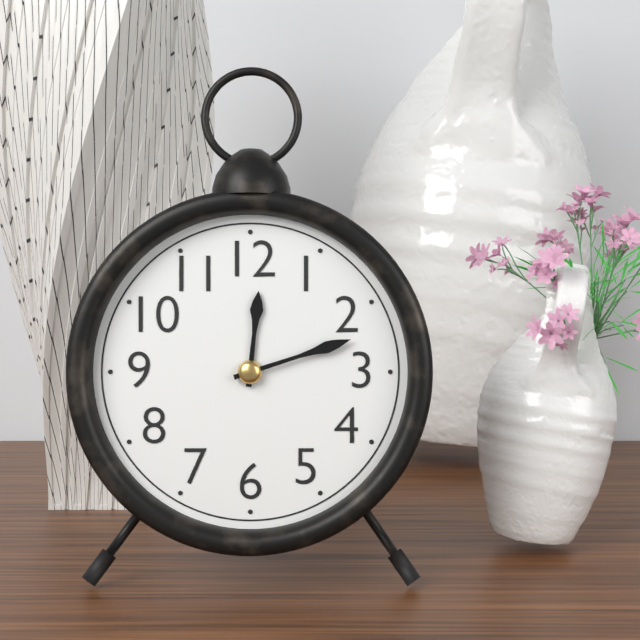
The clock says 12:12
